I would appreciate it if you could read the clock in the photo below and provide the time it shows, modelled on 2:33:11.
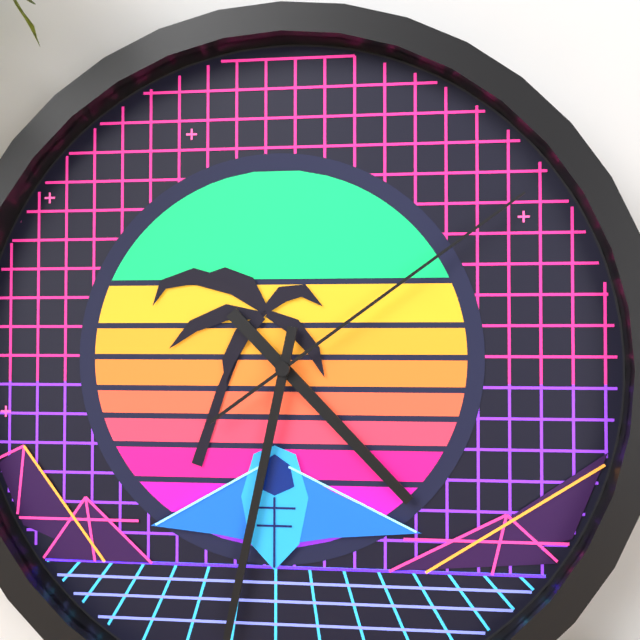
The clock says 4:32:09
